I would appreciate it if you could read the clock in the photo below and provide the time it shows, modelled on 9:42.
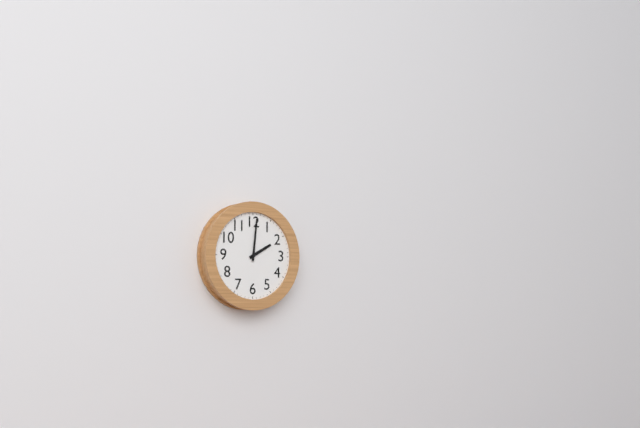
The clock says 2:01
